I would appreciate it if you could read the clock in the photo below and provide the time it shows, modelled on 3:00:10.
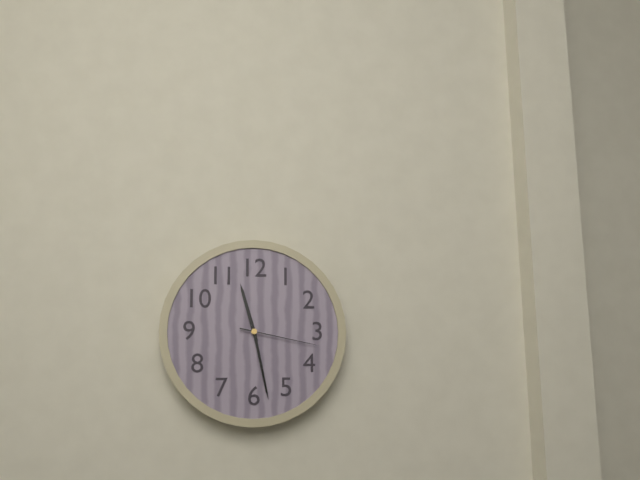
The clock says 11:28:17
